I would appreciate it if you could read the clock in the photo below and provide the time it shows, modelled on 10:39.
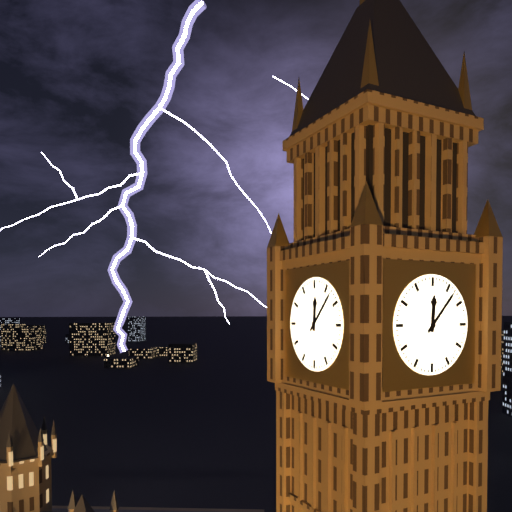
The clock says 12:07
